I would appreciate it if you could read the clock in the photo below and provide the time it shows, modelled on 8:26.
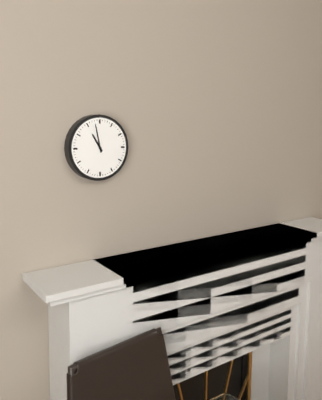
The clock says 10:58
